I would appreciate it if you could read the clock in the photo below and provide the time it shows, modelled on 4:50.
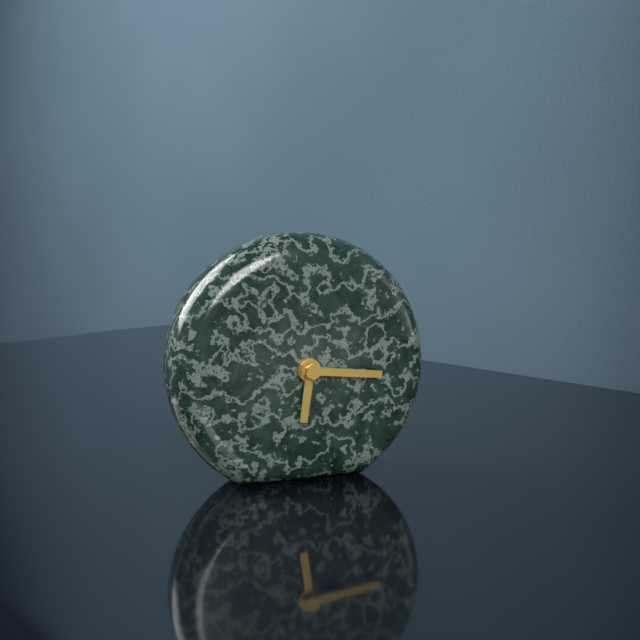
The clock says 6:16
